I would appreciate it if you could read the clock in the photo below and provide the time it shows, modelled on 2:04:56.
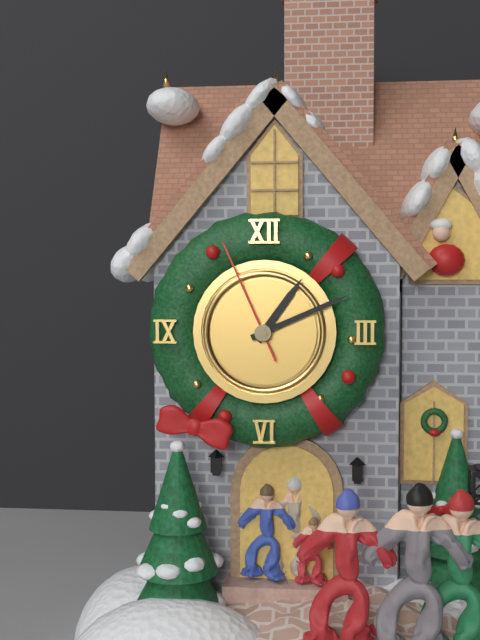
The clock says 1:11:56
